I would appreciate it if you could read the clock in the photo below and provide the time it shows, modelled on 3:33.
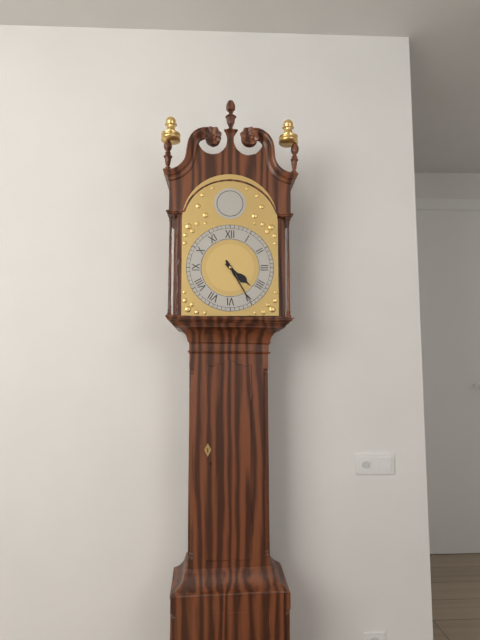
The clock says 4:25
